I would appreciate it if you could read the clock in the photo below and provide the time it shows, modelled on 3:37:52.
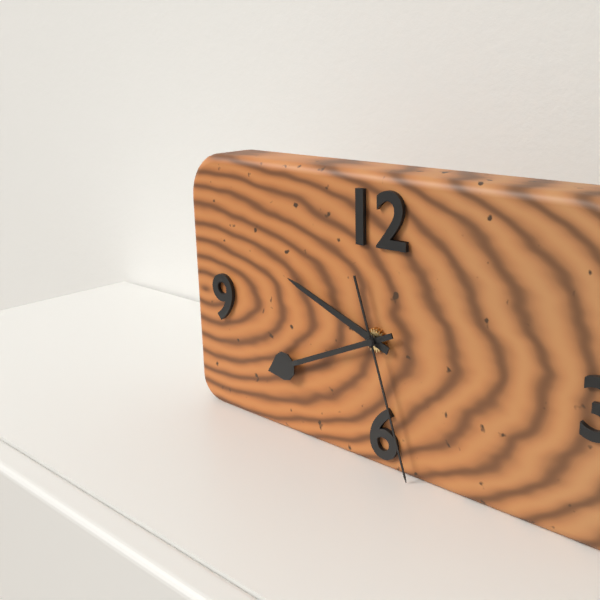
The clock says 9:41:27
